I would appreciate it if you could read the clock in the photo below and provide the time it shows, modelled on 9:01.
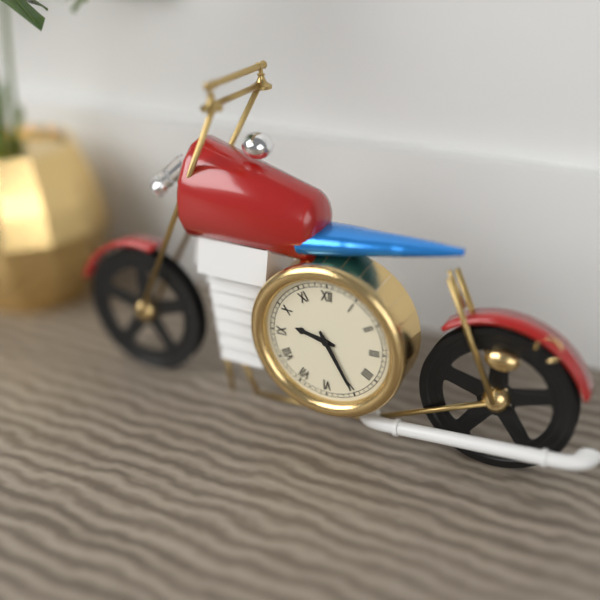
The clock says 9:25
